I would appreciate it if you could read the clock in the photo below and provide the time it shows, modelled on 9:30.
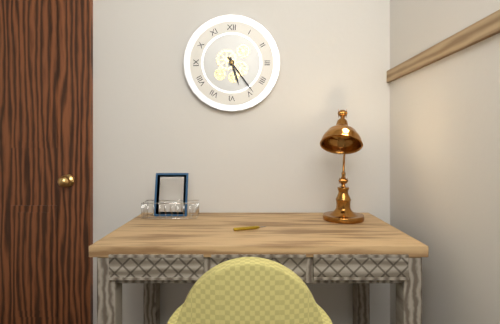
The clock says 5:24
